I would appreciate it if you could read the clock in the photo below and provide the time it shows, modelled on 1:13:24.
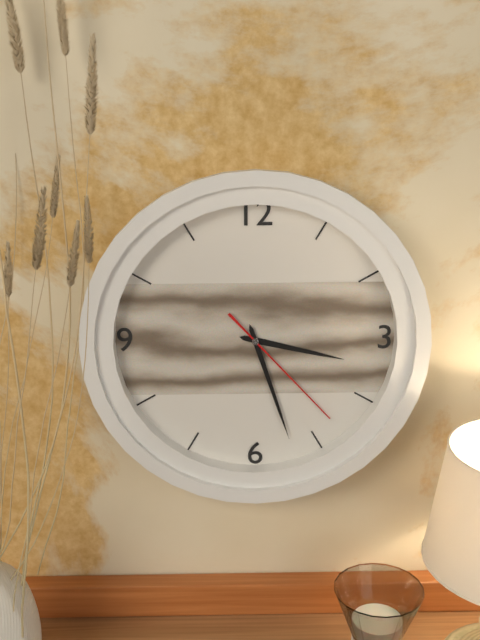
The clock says 3:27:23
